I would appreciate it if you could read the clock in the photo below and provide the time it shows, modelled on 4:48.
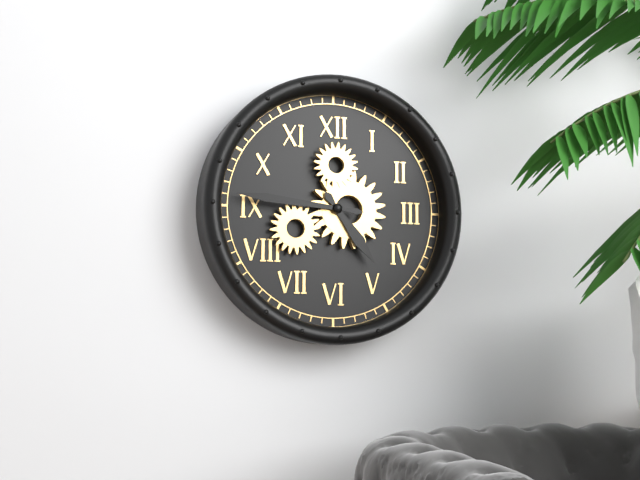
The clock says 4:46
